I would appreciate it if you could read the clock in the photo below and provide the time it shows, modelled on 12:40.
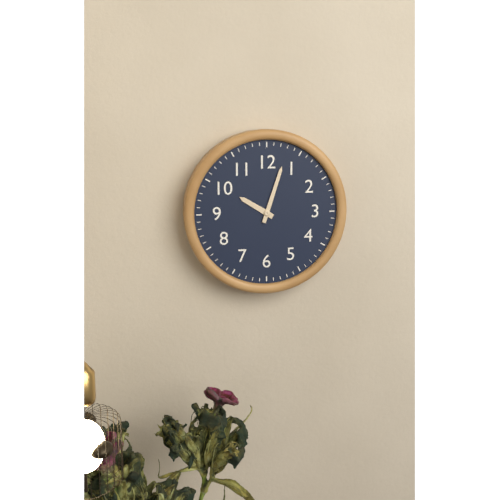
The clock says 10:03
